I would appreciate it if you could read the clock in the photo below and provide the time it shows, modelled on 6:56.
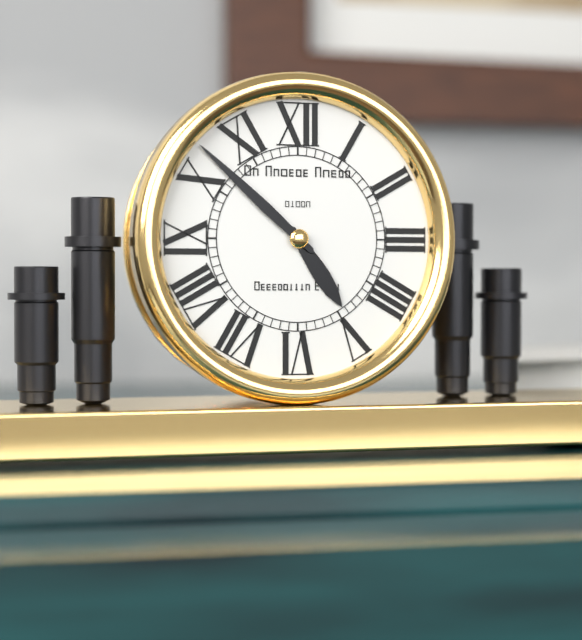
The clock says 4:52
